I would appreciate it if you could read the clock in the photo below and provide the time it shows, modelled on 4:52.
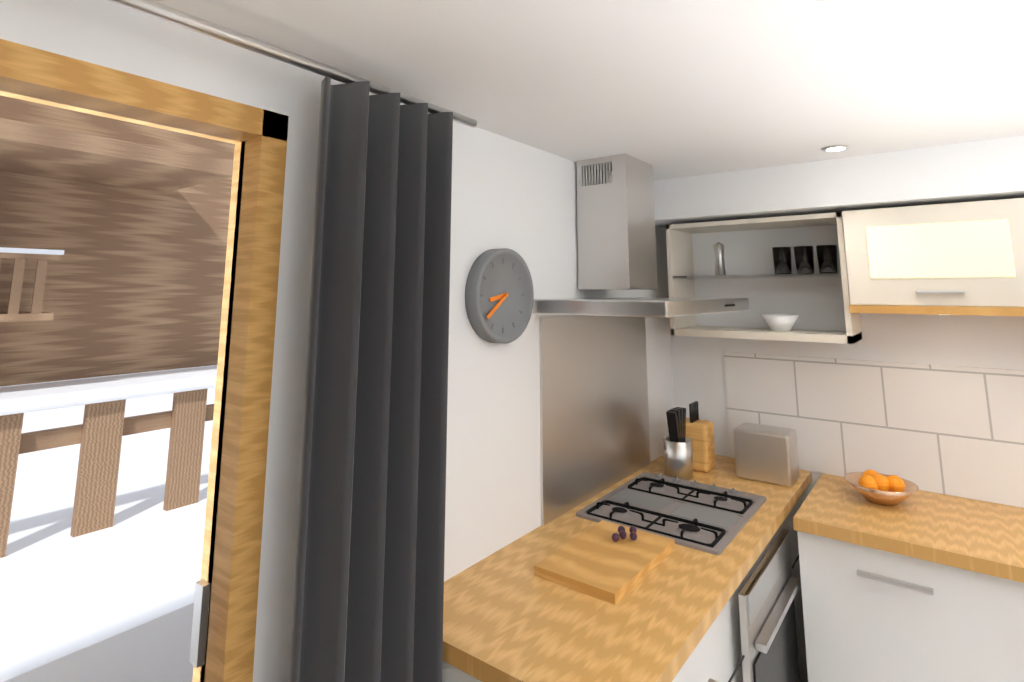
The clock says 8:39
